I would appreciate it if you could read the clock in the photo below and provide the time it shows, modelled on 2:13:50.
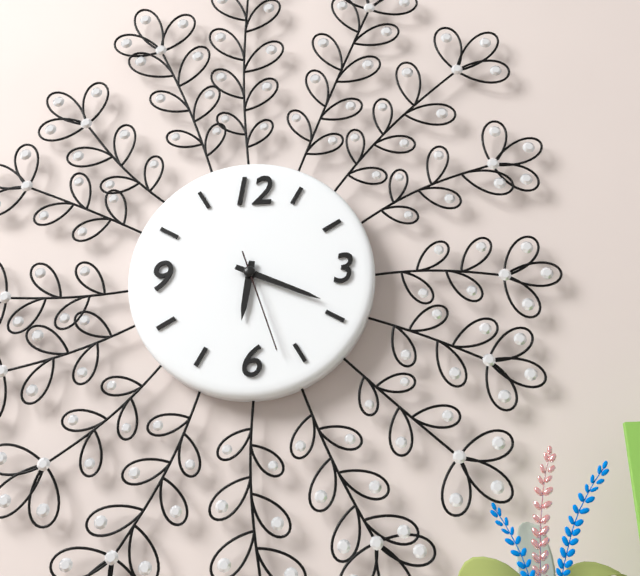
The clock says 6:19:27
